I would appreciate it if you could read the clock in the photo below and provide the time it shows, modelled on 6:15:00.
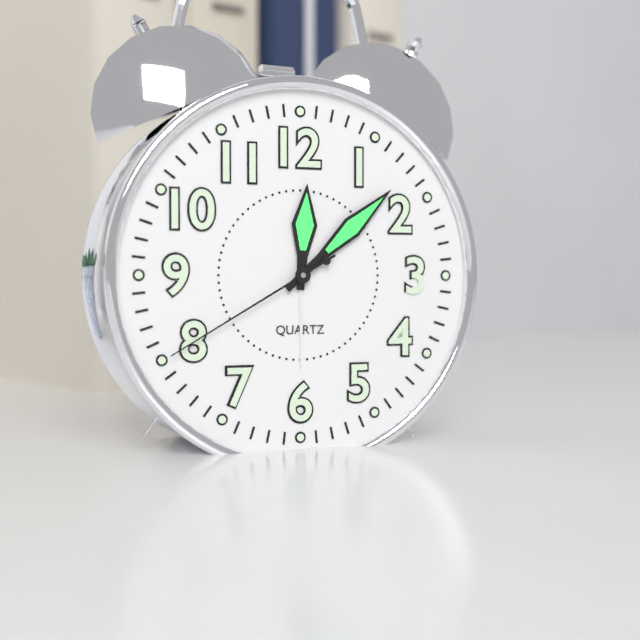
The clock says 12:08:40
